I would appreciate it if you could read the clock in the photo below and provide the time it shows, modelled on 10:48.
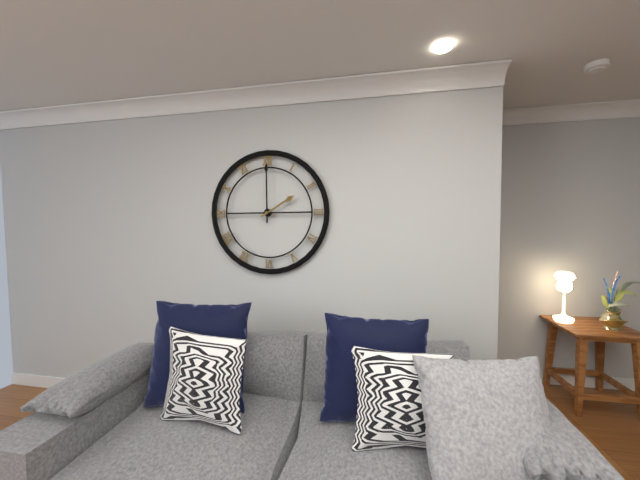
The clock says 2:00
